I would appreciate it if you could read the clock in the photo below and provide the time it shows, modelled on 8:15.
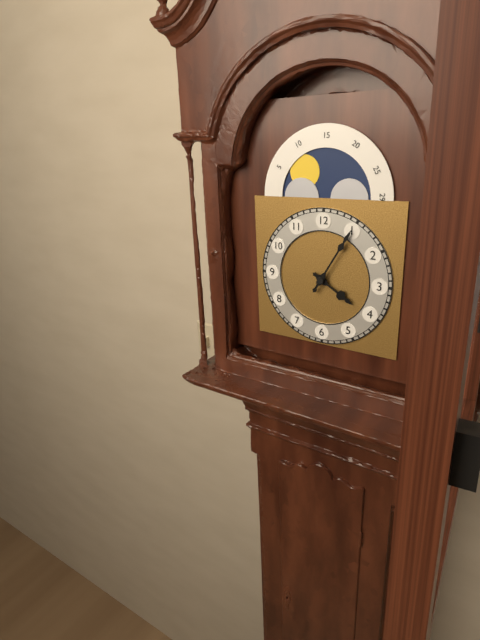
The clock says 4:05
